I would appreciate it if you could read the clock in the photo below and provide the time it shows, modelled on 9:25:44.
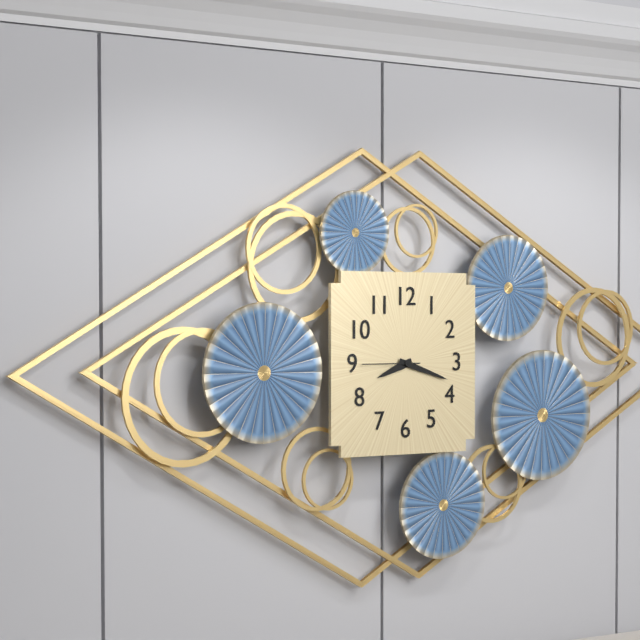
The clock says 8:18:45
